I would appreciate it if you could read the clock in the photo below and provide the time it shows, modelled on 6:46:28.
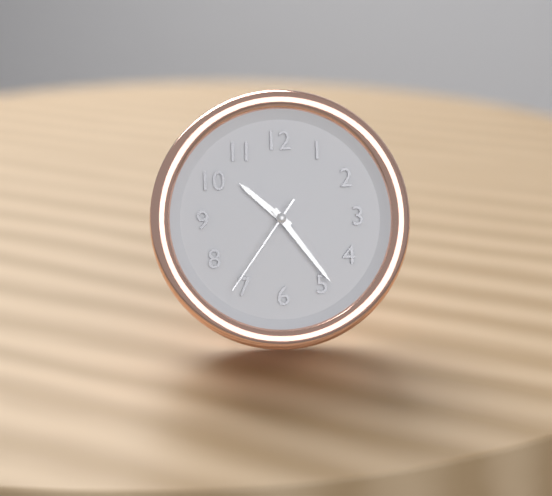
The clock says 10:24:36
